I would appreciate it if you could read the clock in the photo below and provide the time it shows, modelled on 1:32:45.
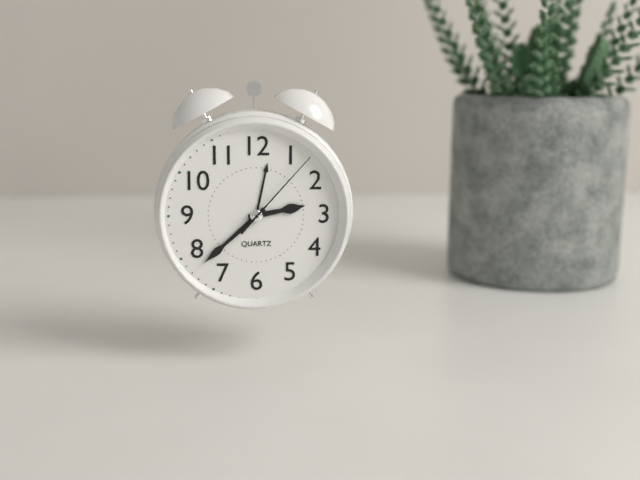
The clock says 2:38:07
